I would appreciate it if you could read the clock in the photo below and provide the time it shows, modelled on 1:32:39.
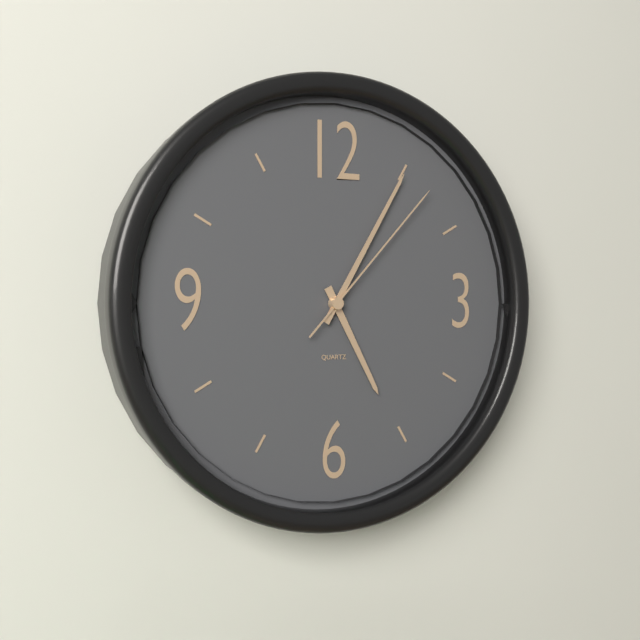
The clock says 5:05:07
